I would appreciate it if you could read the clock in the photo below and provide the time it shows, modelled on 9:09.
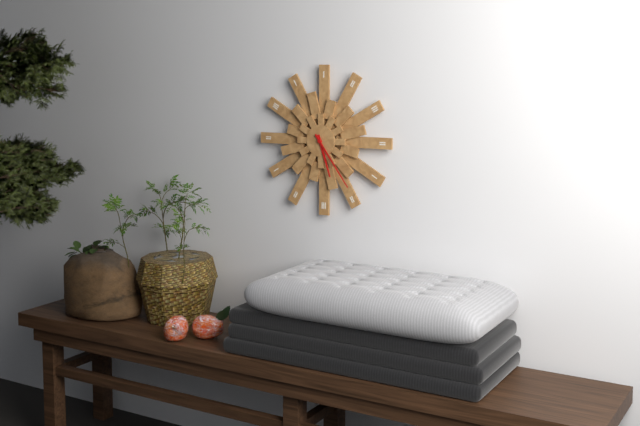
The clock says 5:24
